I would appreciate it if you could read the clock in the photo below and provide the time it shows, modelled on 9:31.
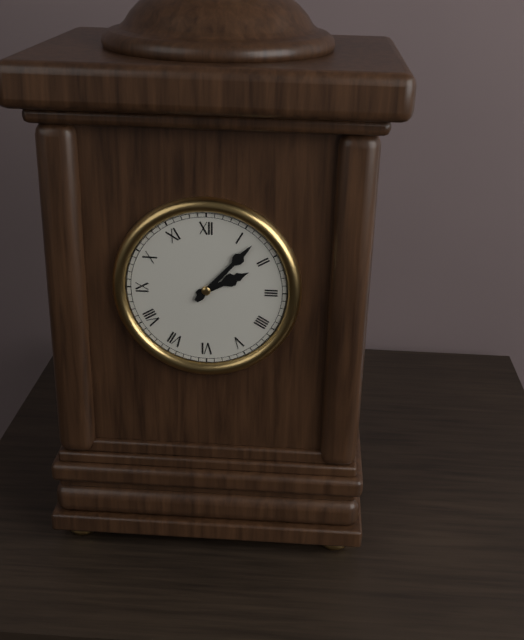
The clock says 2:07
